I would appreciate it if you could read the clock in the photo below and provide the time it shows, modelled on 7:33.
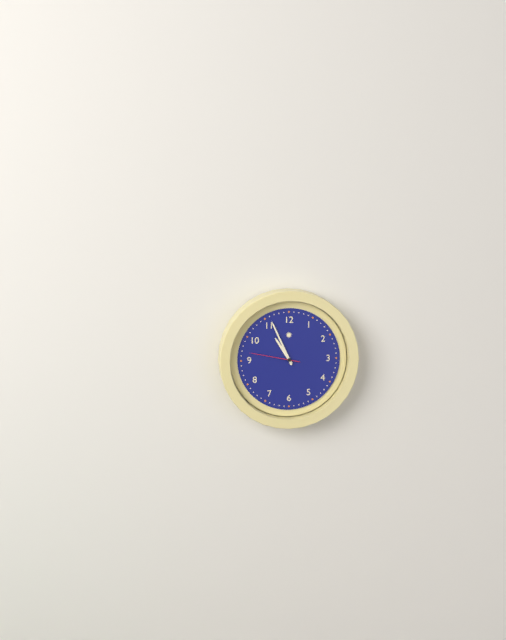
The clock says 10:56
